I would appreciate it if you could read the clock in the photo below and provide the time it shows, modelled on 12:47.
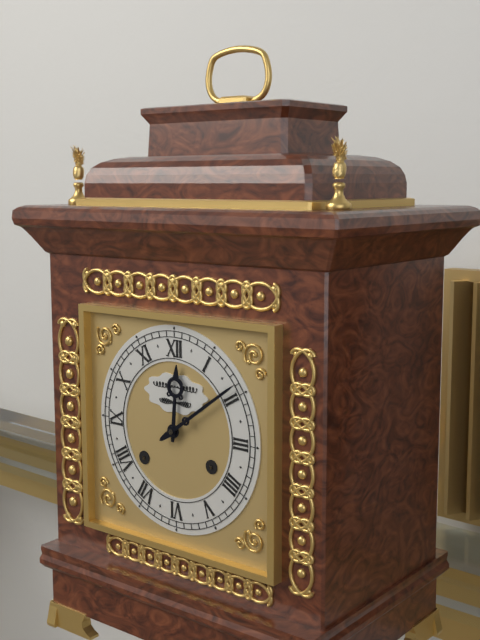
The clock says 12:09
